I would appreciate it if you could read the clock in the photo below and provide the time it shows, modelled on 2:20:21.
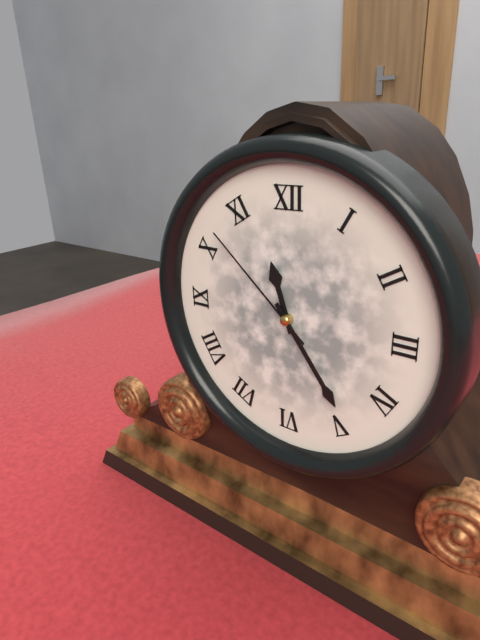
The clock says 11:24:52
